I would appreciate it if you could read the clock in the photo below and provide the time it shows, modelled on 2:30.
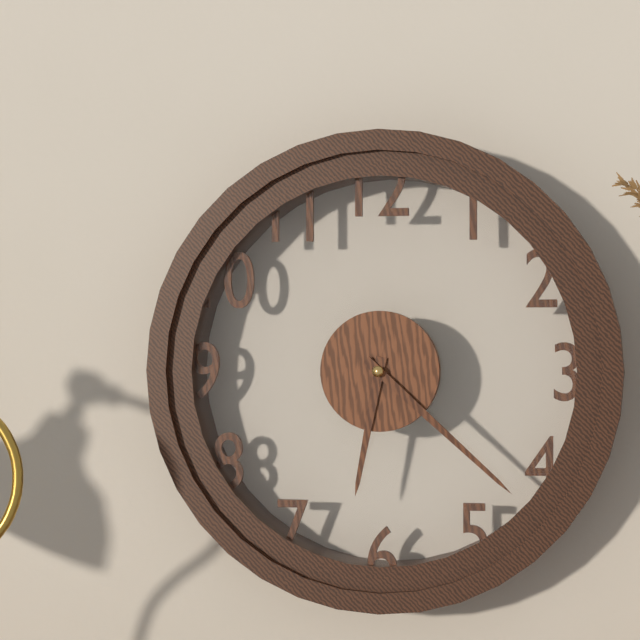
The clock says 6:22
